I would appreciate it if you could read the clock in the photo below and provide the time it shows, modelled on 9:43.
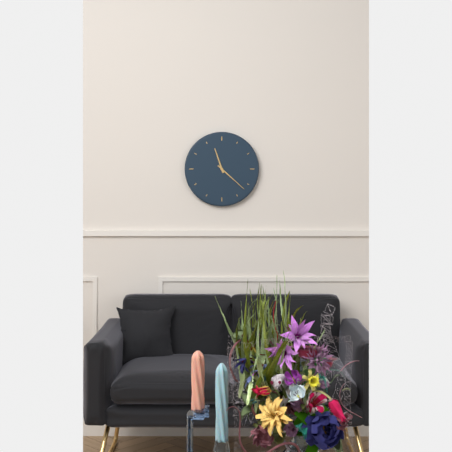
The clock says 11:22
